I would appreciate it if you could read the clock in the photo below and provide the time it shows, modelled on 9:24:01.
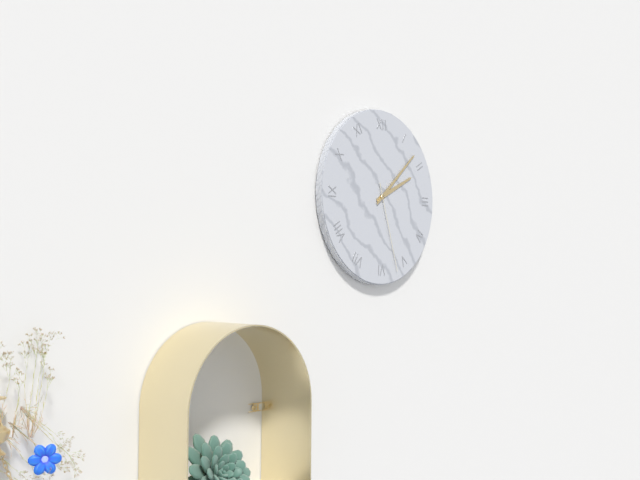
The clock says 2:08:27
